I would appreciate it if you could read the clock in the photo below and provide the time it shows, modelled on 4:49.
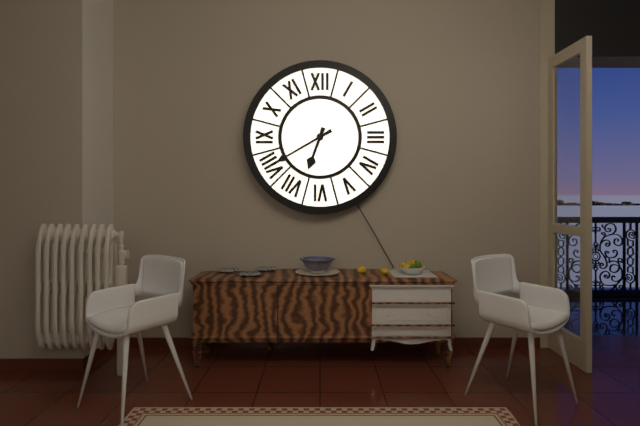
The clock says 6:40
